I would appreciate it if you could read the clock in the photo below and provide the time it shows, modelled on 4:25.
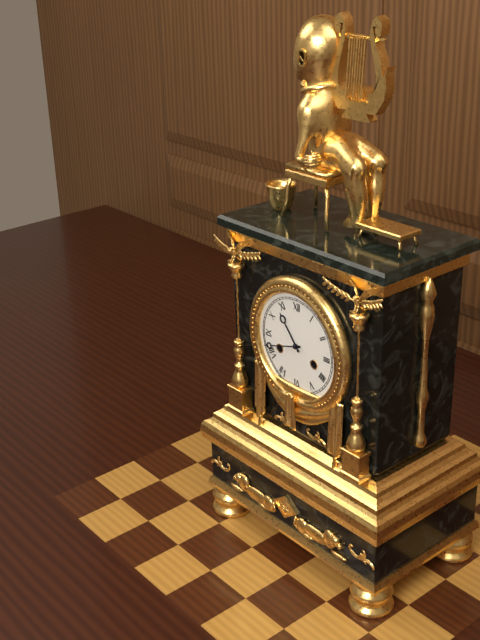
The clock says 10:42
